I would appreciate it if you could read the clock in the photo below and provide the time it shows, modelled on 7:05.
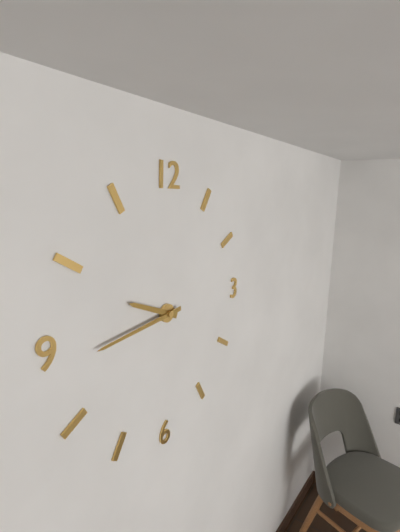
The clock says 9:44
